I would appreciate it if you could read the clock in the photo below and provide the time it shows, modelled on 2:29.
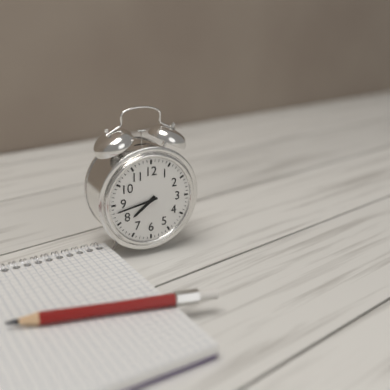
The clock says 7:43
